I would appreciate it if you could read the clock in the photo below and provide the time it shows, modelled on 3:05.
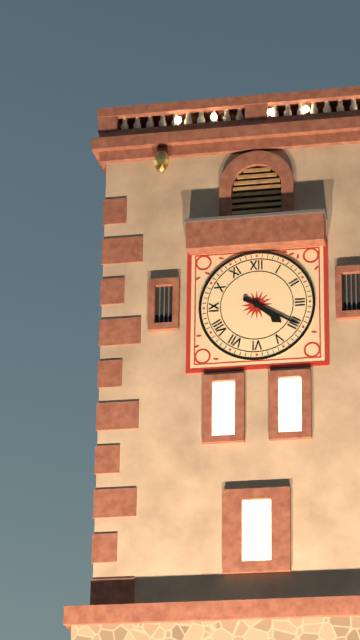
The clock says 4:20
